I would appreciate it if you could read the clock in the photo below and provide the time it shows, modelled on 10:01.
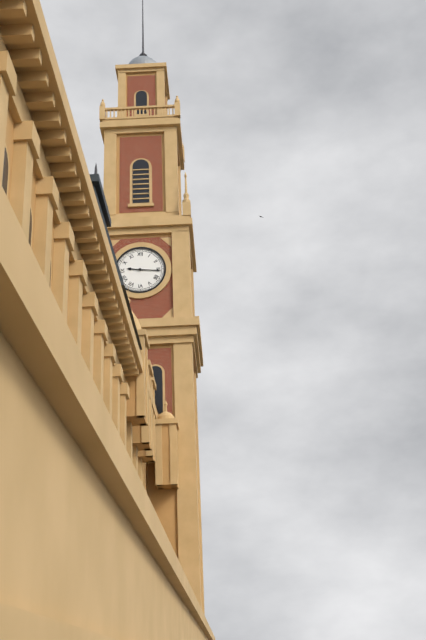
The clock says 9:16
